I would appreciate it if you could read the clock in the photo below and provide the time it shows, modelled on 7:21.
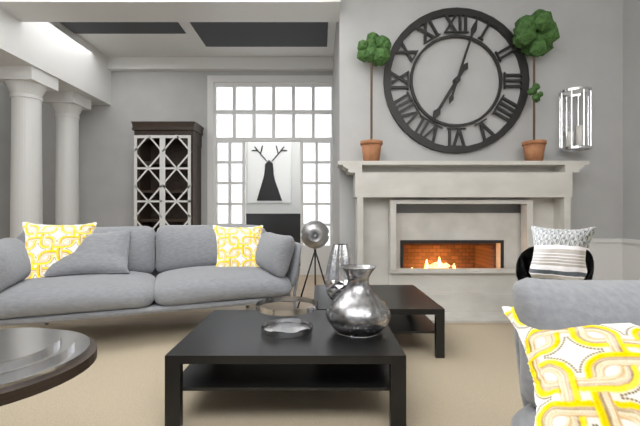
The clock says 7:03
